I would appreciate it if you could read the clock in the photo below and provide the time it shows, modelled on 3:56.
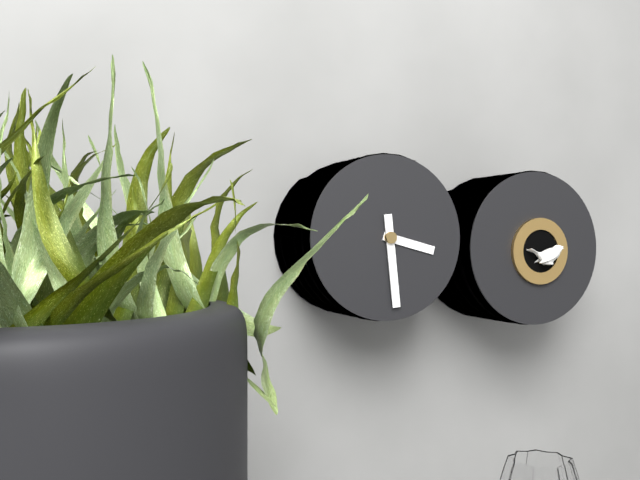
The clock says 3:29
